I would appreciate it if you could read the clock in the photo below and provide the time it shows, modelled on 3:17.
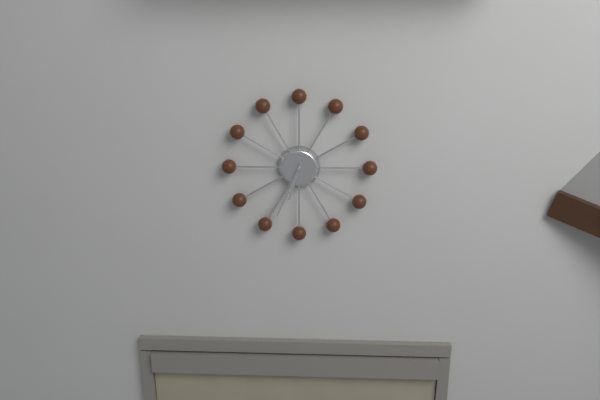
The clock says 6:34
